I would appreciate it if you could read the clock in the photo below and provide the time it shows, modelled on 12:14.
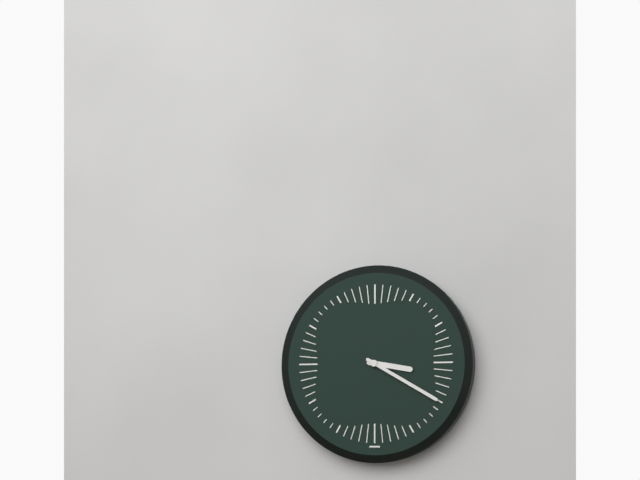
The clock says 3:20
